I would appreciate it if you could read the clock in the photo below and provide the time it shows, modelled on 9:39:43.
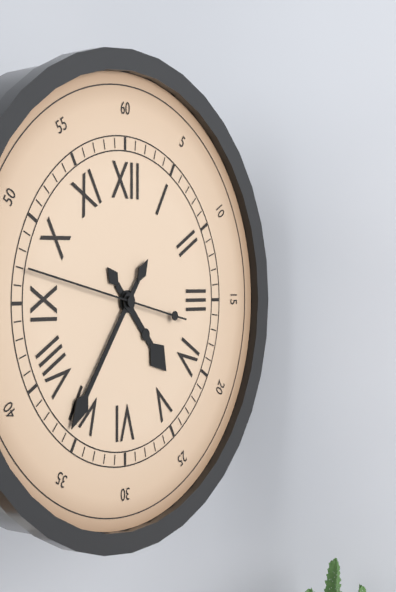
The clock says 4:36:47
